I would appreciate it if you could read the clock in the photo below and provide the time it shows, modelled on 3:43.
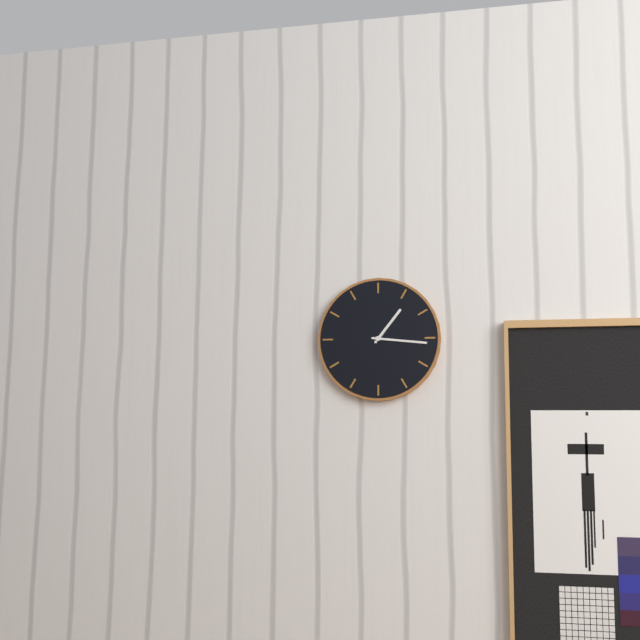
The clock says 1:16
